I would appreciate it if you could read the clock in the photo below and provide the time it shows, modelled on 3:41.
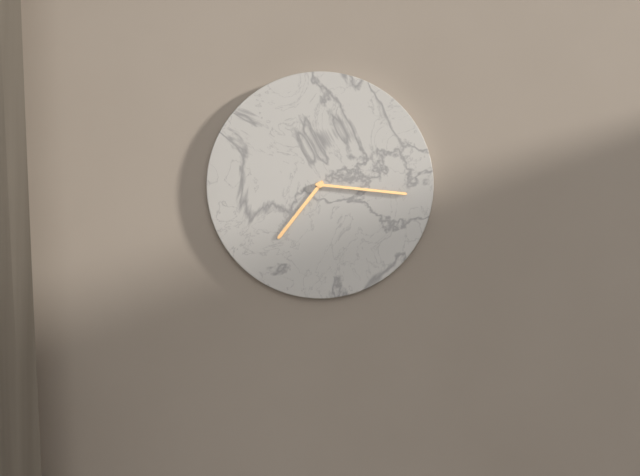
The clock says 7:16
